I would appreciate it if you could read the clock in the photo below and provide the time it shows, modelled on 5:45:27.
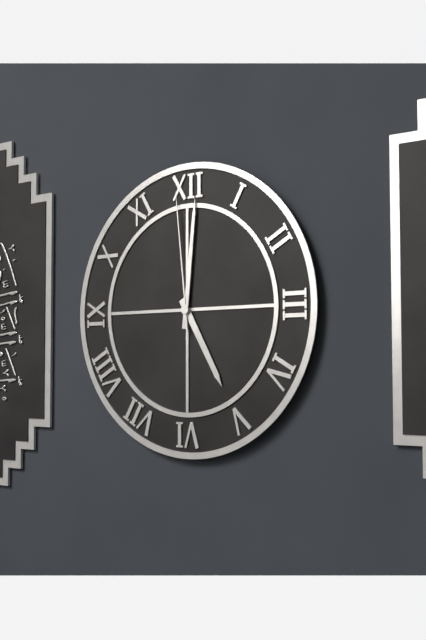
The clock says 5:01:59
